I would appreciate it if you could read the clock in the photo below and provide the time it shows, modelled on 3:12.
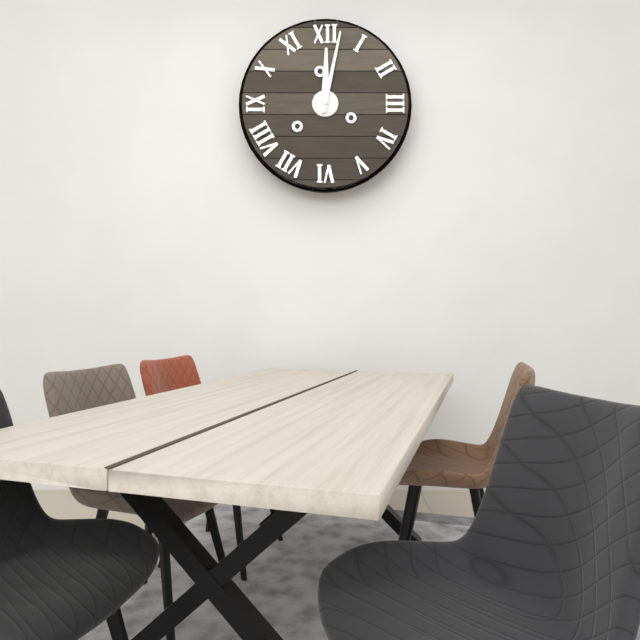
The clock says 12:02
